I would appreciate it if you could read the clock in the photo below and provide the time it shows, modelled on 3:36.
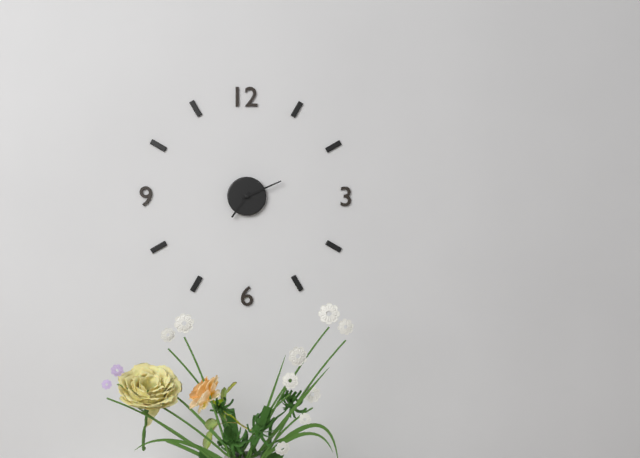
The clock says 7:11
